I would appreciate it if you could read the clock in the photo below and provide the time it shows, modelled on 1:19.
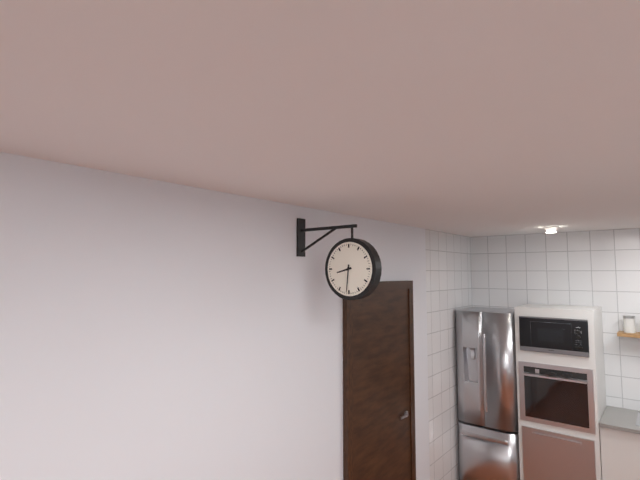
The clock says 8:31
